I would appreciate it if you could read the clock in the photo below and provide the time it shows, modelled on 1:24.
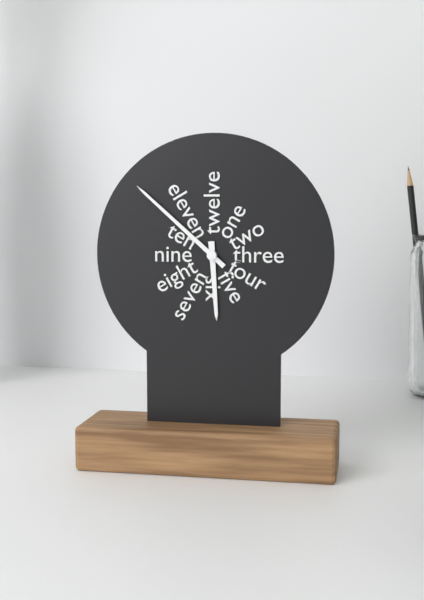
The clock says 5:52
